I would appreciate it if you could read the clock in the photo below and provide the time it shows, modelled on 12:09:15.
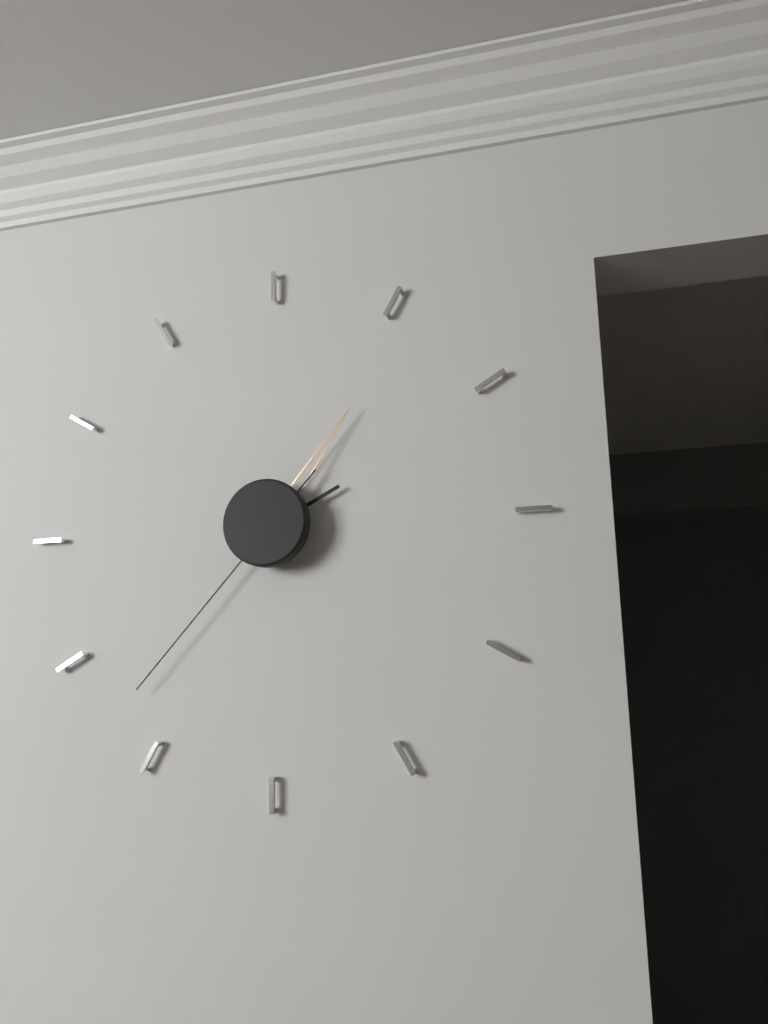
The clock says 2:06:37
